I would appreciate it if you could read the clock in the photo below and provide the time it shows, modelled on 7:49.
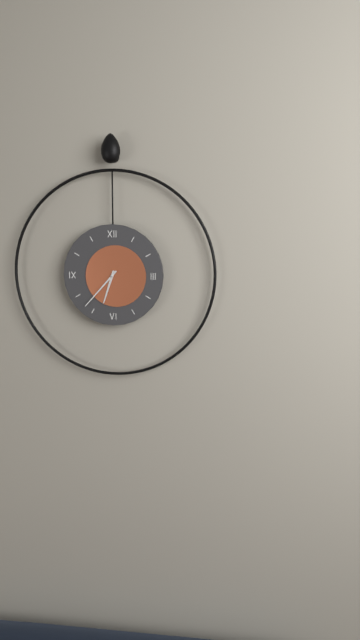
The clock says 6:37
